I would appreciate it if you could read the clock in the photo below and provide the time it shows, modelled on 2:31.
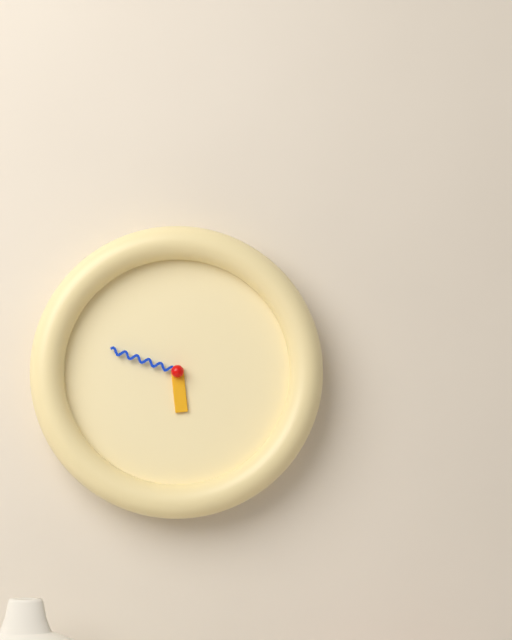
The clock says 5:48
